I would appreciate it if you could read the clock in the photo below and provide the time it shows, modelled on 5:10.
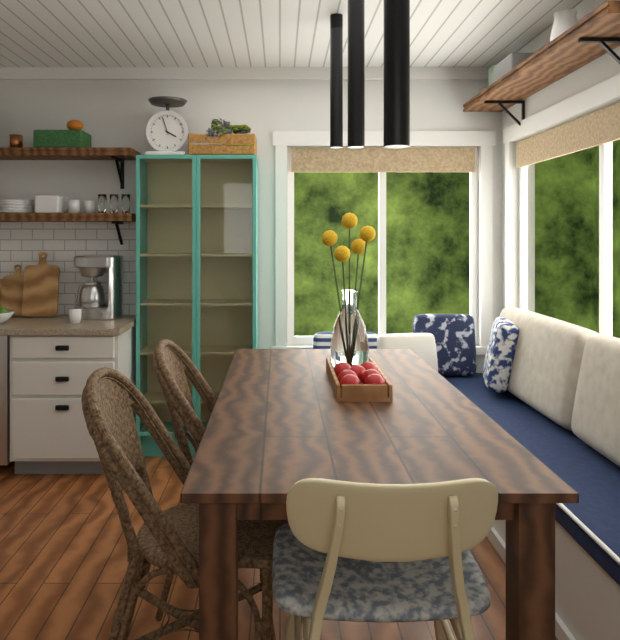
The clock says 3:57
